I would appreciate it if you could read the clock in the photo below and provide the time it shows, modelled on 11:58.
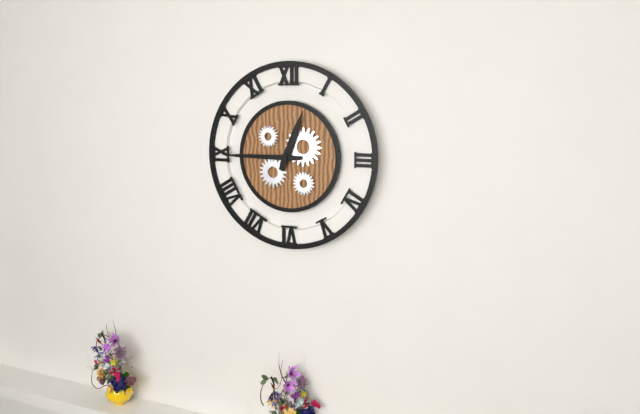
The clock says 12:45
